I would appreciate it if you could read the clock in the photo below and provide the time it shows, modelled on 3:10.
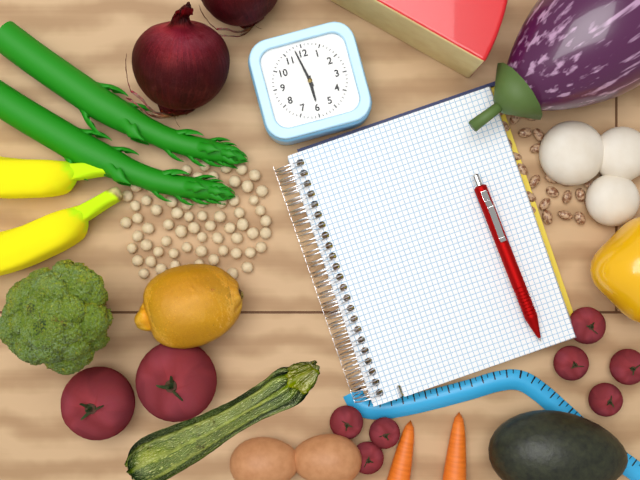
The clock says 5:58
